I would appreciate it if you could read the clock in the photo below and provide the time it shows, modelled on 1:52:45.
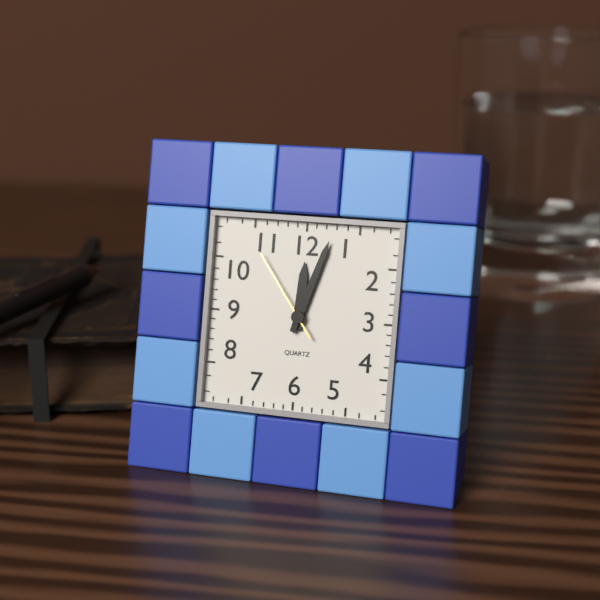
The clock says 12:03:54
